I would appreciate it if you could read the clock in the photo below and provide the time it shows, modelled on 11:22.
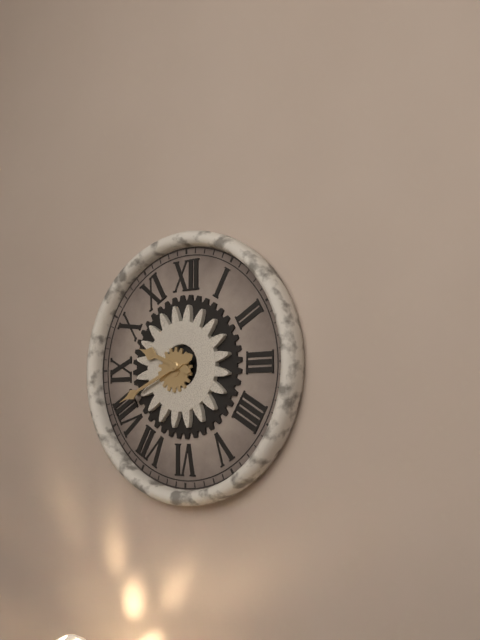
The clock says 9:41
